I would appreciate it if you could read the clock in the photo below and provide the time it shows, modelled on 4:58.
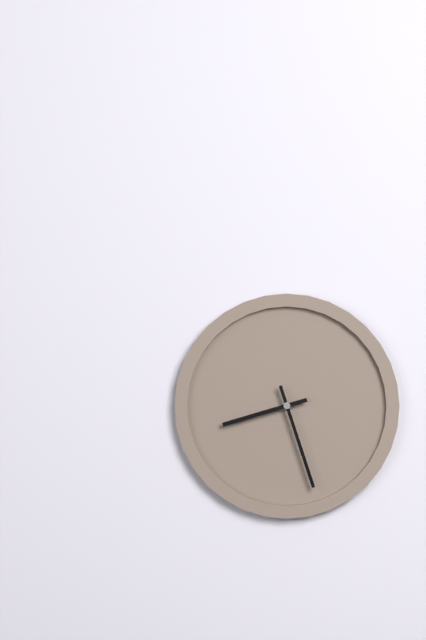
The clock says 8:27
